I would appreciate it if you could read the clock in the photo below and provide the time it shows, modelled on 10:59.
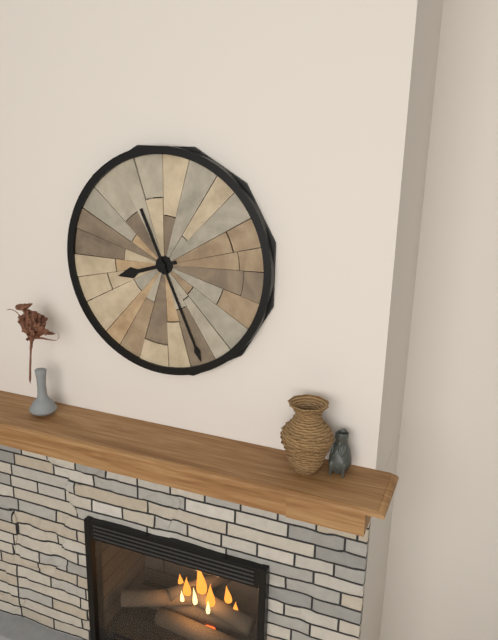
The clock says 8:26
